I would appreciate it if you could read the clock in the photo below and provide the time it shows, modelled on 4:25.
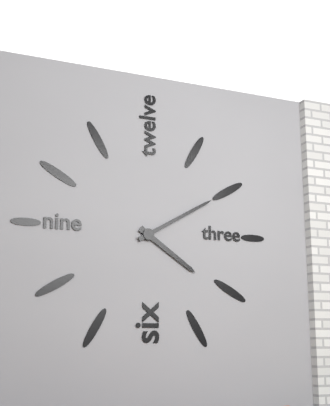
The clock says 4:10
